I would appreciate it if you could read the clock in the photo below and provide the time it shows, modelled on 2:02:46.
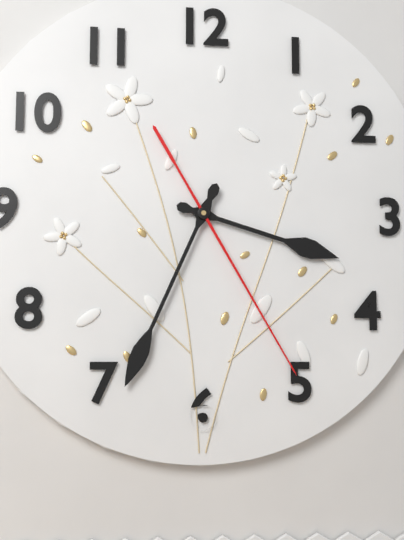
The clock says 3:34:25
